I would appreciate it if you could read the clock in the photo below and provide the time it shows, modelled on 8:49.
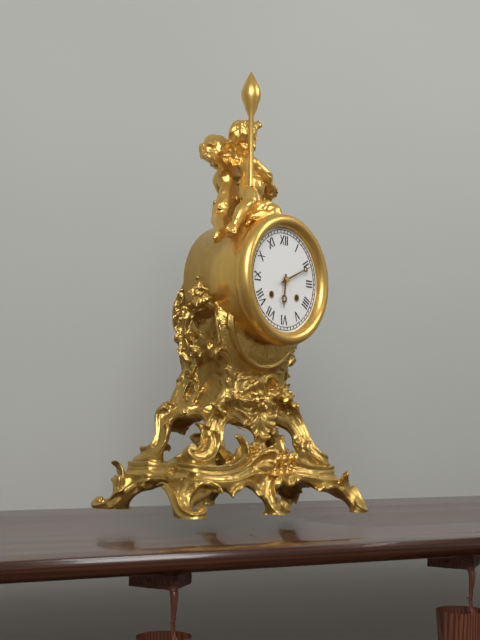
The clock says 6:11
